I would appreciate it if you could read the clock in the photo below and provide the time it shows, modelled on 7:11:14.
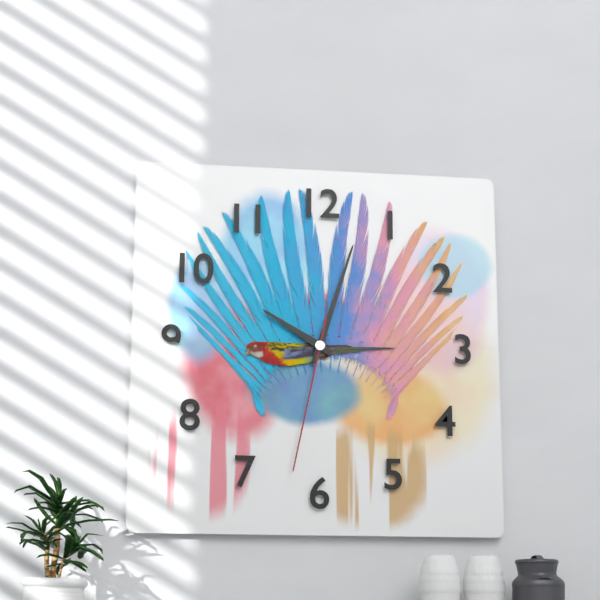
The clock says 10:03:32
